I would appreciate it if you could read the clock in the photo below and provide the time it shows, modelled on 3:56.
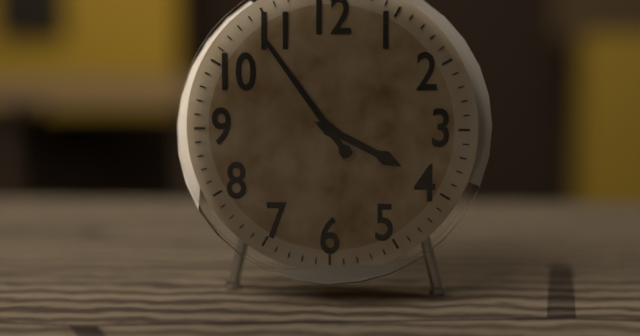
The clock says 3:54
